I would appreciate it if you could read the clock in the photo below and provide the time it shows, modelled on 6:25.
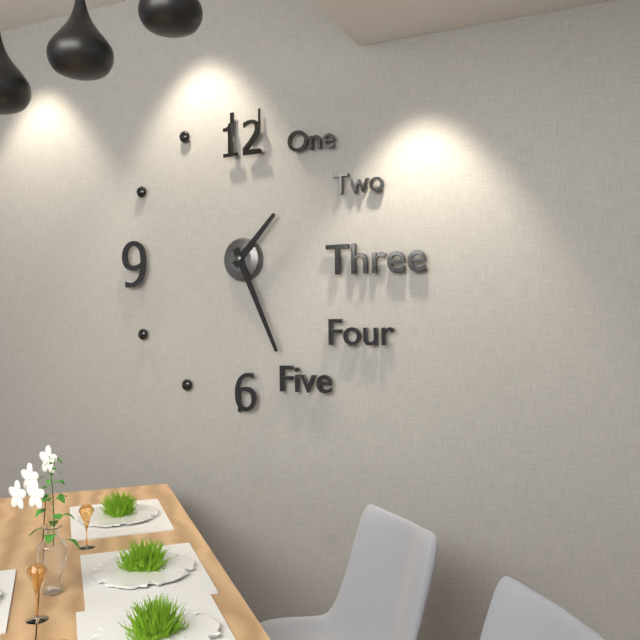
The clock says 1:26
